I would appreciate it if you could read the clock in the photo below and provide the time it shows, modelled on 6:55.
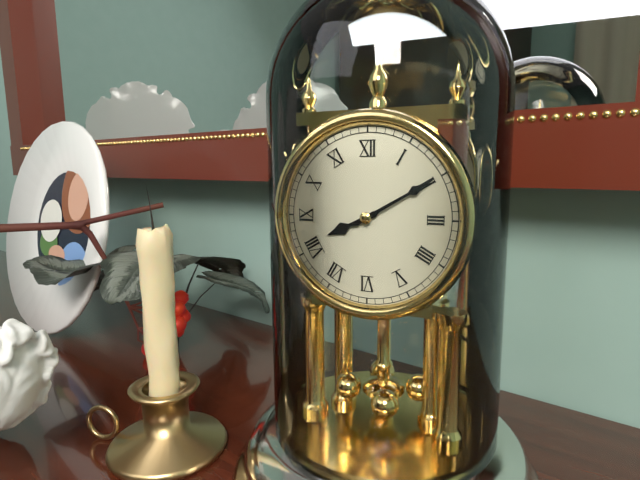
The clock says 8:10
